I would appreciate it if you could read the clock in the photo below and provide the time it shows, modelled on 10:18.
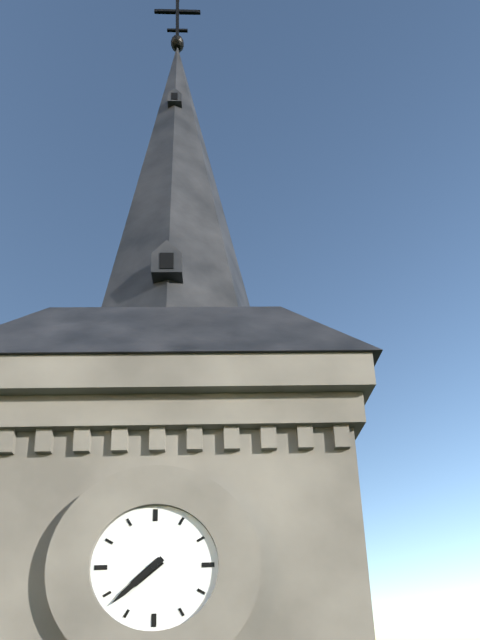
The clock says 7:38
